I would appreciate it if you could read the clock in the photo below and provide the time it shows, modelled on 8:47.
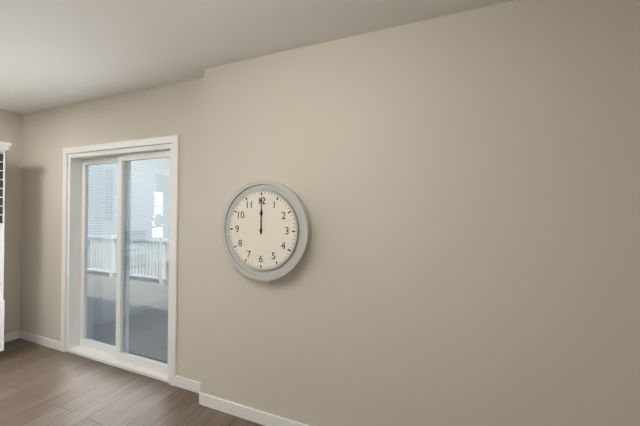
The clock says 12:00
